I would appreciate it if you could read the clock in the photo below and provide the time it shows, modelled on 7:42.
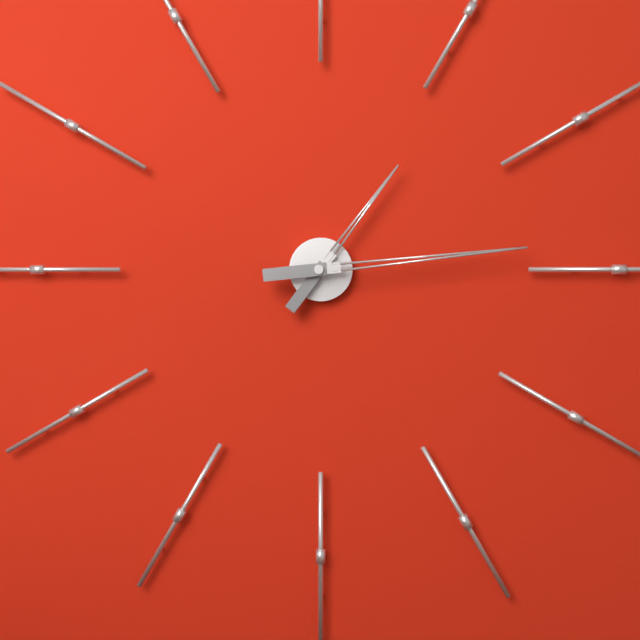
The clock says 1:14
